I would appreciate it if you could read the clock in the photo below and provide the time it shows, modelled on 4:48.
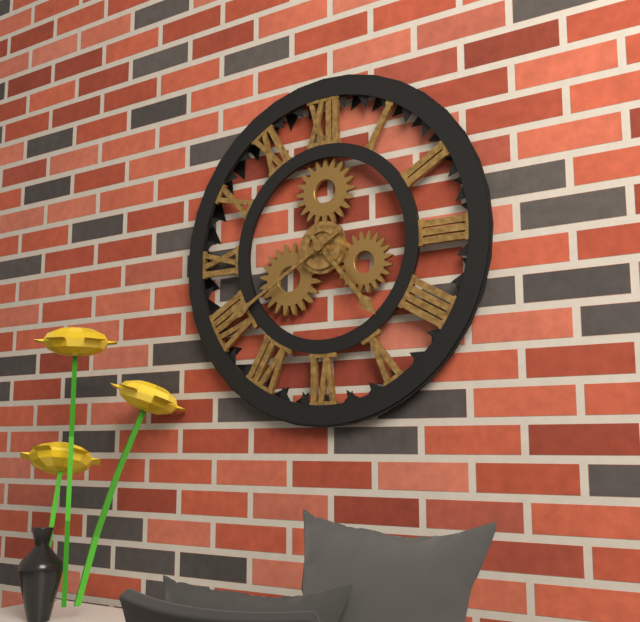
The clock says 4:40
